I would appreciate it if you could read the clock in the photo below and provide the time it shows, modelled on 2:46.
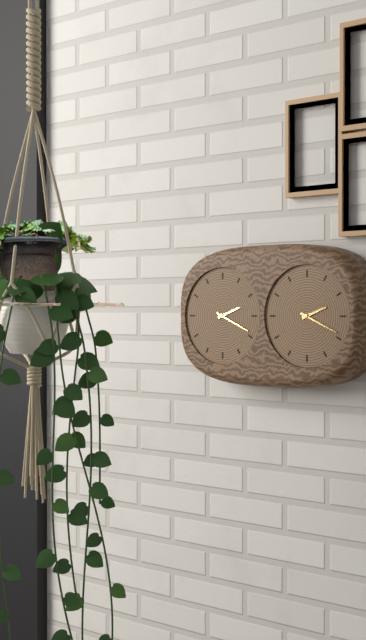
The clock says 2:19
